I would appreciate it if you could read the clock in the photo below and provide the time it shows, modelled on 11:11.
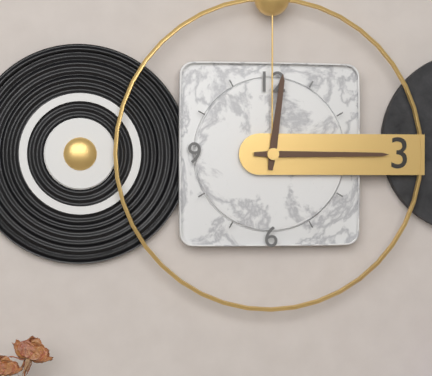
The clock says 12:15
